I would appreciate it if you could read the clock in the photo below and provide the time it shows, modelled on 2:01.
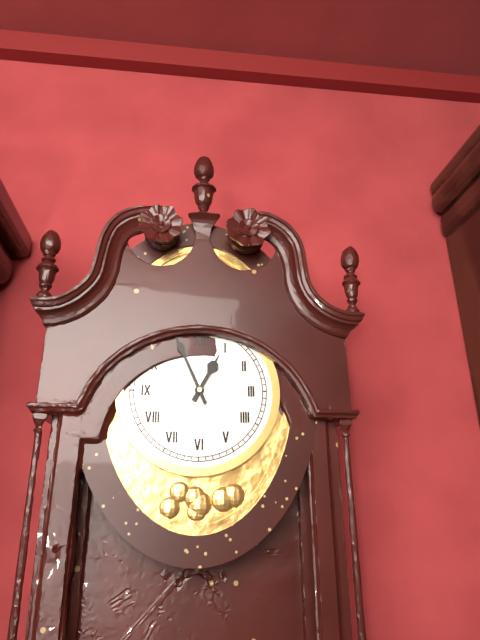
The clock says 12:56
